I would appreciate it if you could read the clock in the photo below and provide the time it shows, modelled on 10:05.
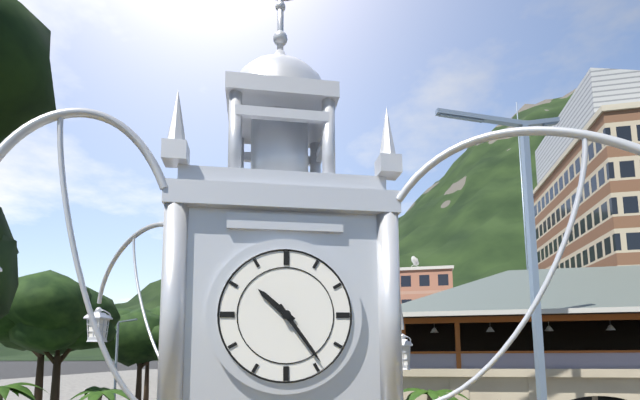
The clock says 10:24
